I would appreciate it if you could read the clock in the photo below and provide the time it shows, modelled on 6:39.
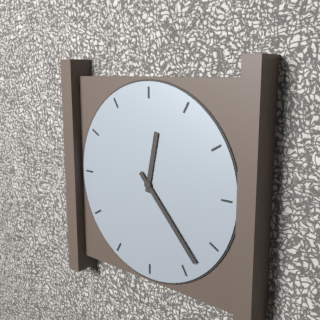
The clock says 12:23
